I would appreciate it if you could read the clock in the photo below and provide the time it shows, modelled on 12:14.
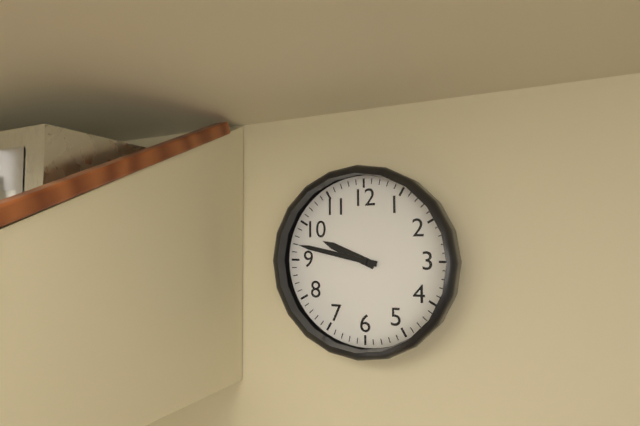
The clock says 9:47
